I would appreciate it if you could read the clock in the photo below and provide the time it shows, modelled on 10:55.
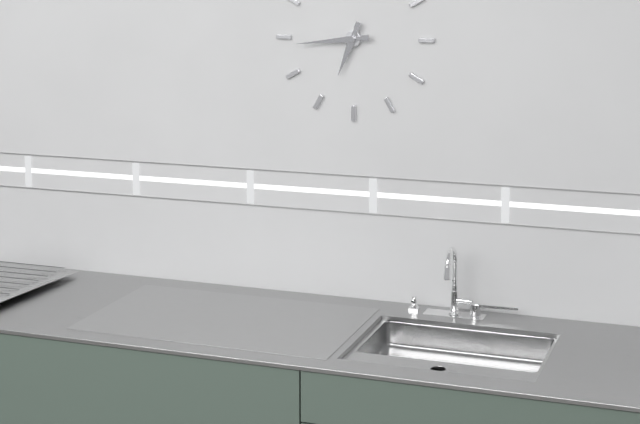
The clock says 6:44
